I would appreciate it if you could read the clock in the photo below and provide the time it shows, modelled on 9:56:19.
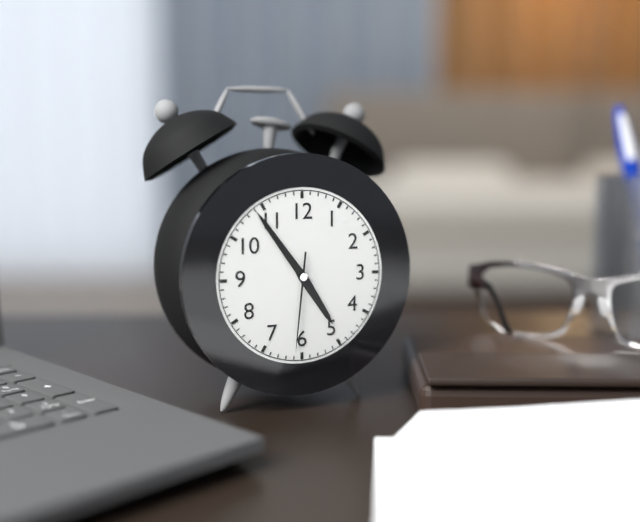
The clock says 4:54:31
